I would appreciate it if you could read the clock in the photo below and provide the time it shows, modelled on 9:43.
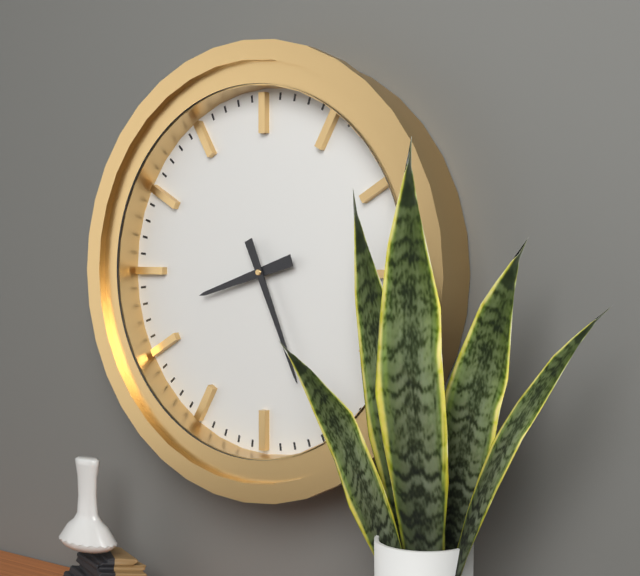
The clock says 8:26
